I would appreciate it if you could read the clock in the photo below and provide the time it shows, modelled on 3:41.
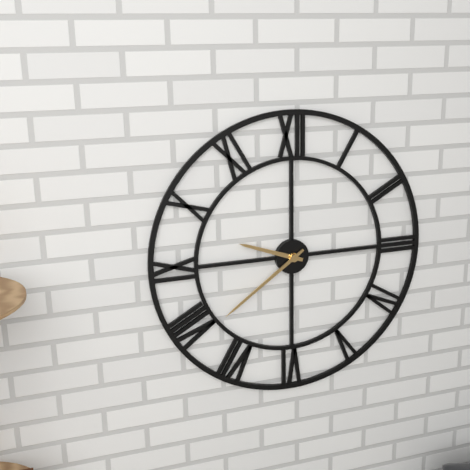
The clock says 9:39
